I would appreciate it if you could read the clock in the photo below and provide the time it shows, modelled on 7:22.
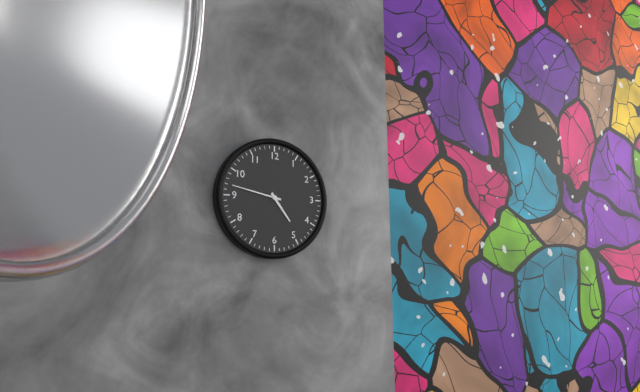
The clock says 4:47
